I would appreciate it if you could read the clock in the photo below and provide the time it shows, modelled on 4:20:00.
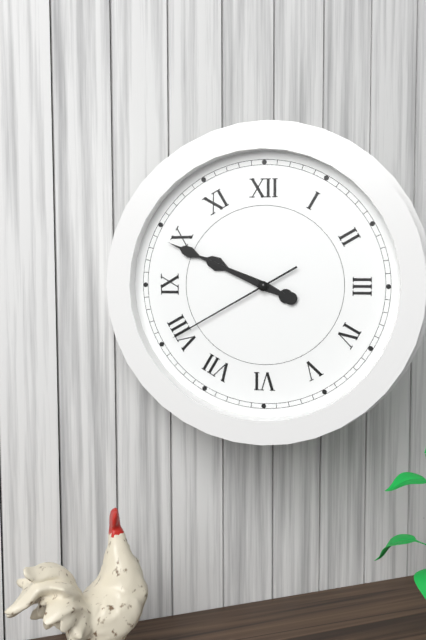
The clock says 9:49:40
